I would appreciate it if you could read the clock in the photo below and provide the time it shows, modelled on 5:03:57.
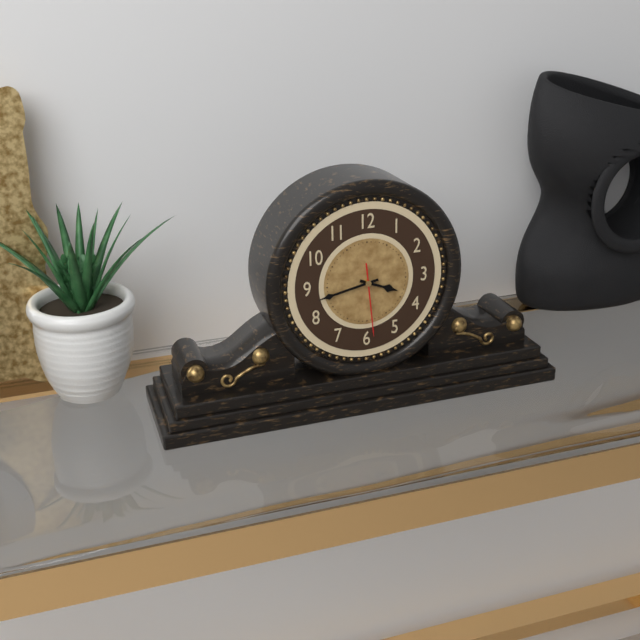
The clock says 3:43:29
